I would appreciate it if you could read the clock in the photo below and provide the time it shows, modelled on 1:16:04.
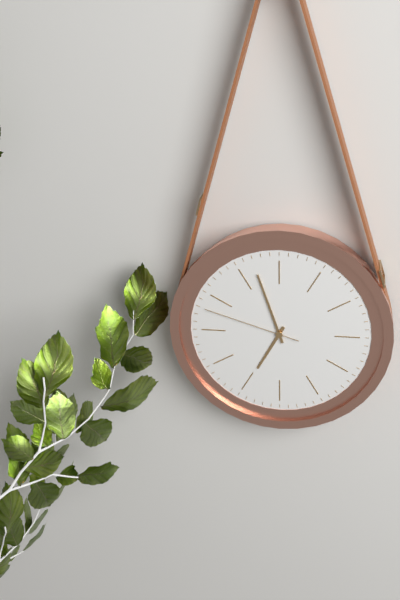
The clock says 6:57:48
